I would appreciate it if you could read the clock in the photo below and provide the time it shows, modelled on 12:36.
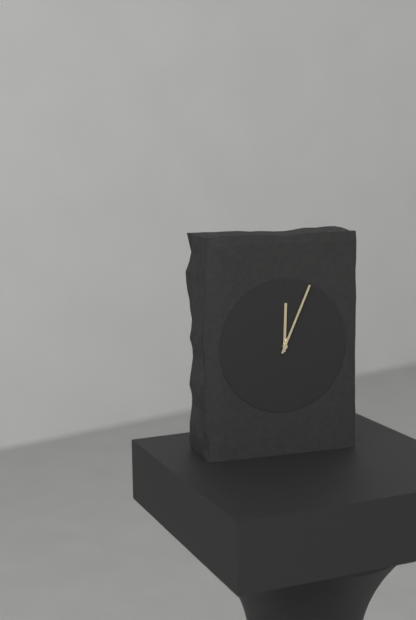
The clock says 12:04
